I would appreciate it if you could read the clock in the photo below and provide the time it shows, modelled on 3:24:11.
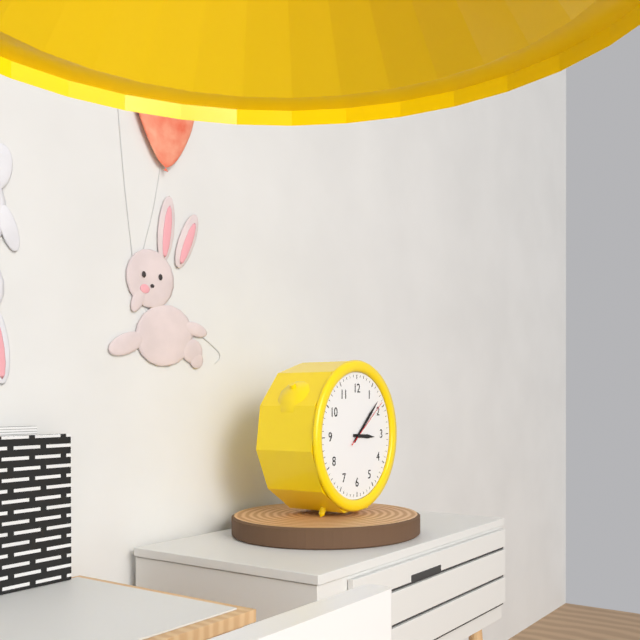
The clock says 3:08:09
